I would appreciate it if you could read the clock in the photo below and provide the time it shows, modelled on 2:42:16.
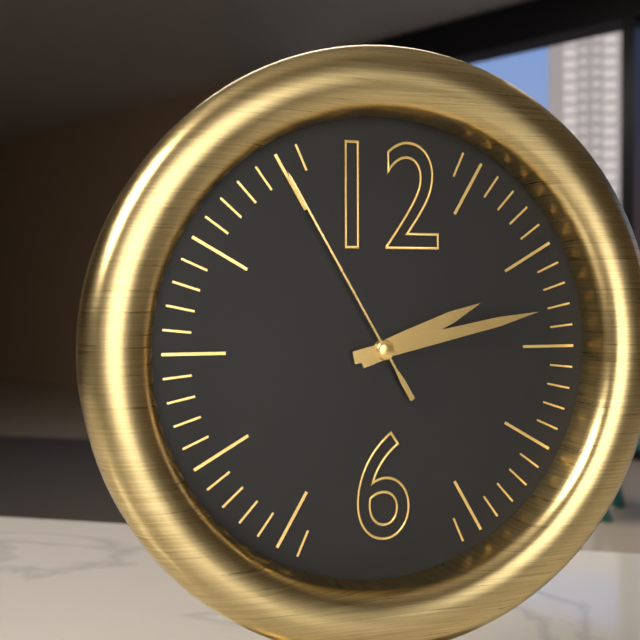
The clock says 2:13:55
